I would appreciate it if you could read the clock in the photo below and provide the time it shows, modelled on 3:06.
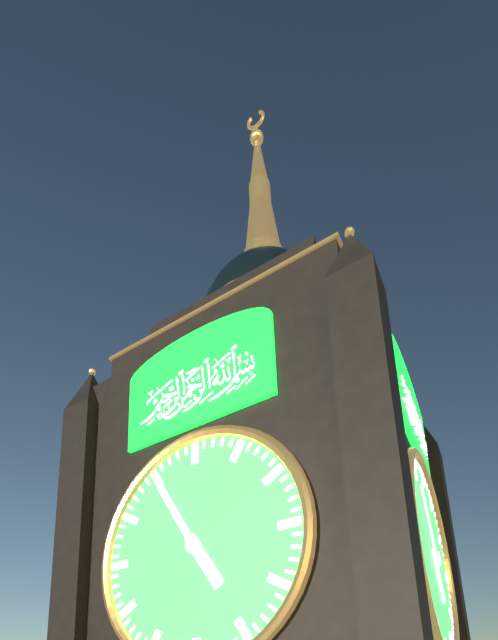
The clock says 4:55
